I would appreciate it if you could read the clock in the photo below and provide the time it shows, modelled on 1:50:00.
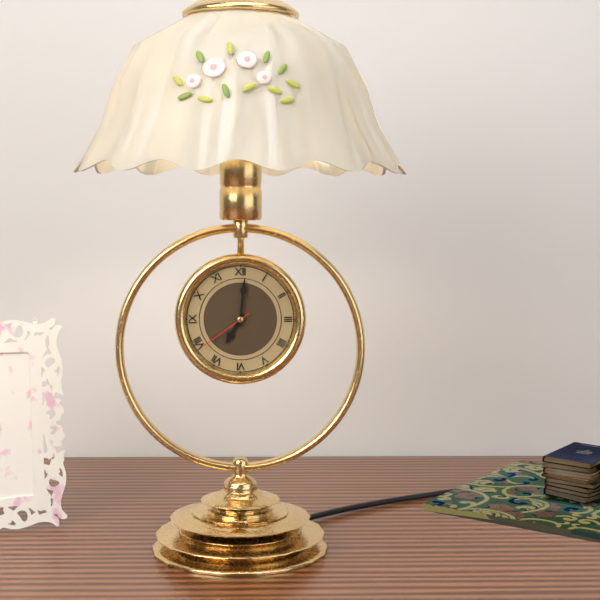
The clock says 7:01:39
